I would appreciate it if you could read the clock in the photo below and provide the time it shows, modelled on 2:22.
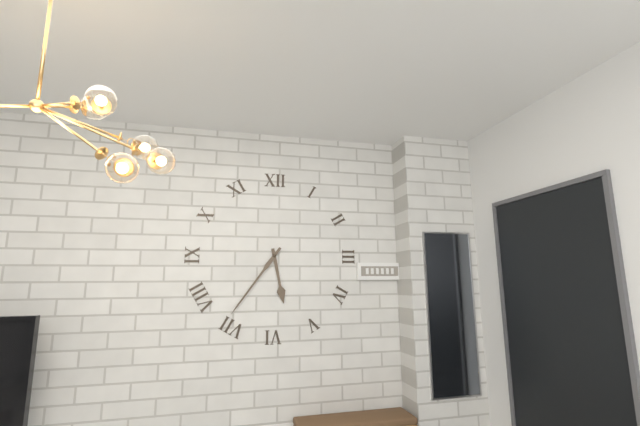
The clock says 5:36
